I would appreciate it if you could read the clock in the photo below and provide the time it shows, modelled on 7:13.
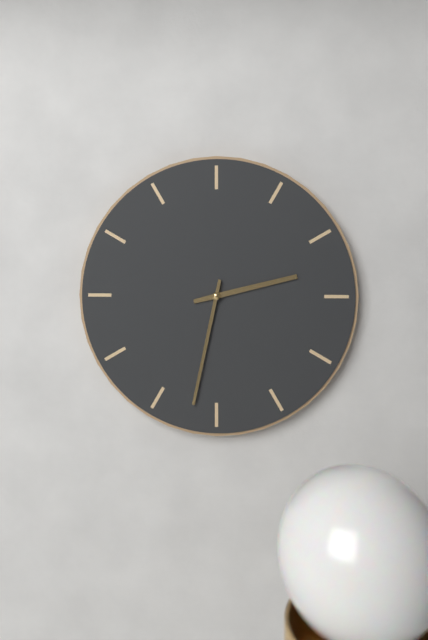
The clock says 2:32
